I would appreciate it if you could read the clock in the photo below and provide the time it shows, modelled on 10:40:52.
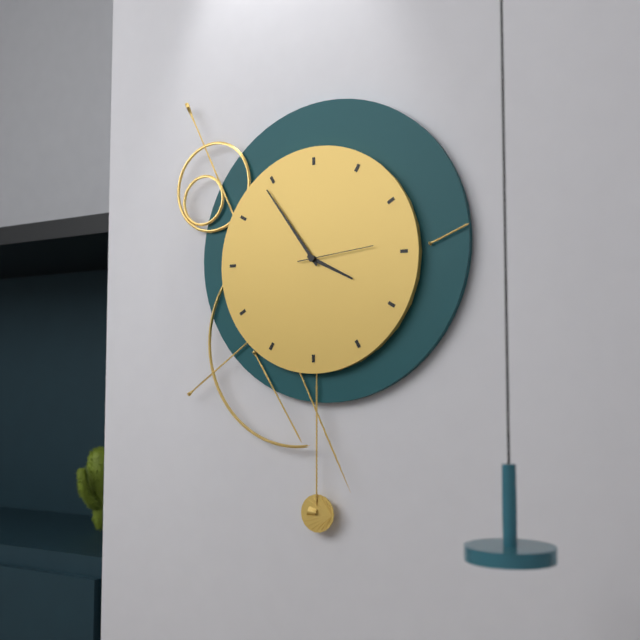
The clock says 3:54:14
